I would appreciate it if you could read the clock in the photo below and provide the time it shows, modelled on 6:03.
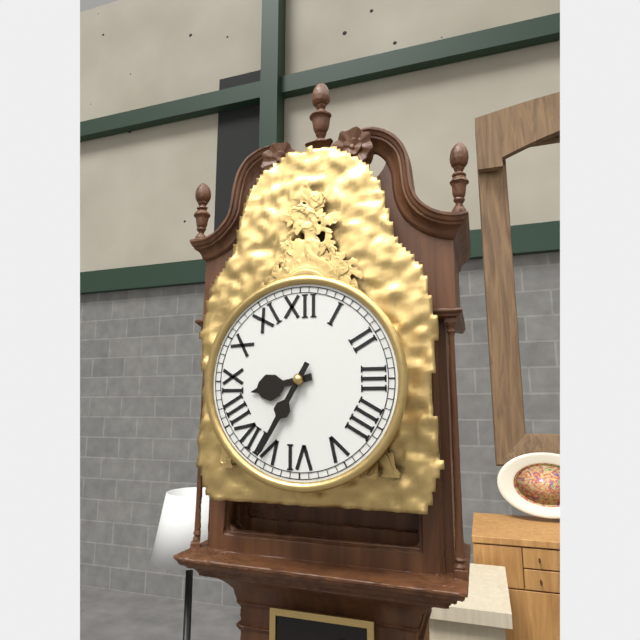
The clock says 8:35
